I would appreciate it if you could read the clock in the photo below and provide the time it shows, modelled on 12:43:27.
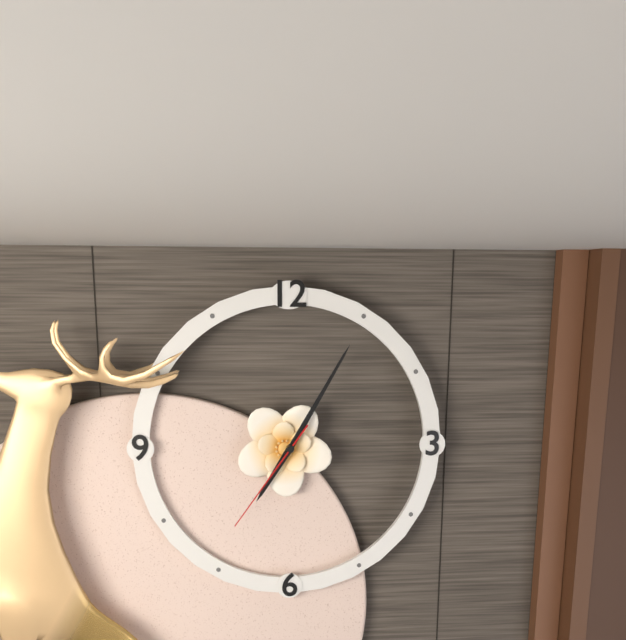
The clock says 7:05:36
